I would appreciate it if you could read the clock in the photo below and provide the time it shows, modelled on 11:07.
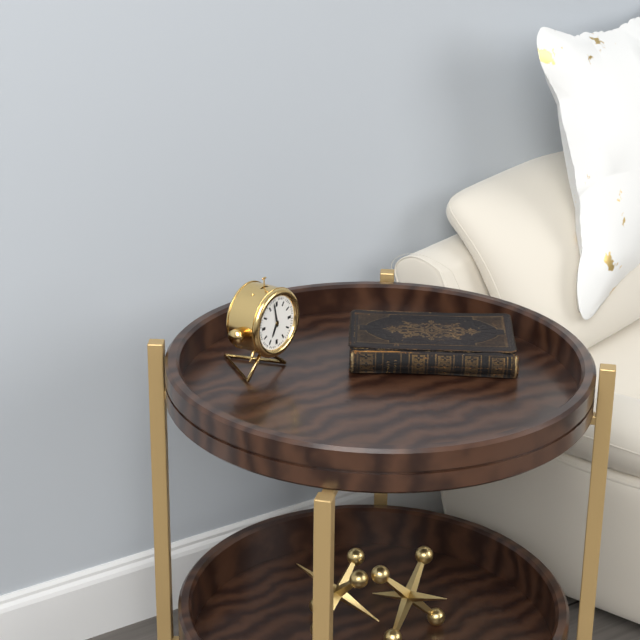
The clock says 6:58
